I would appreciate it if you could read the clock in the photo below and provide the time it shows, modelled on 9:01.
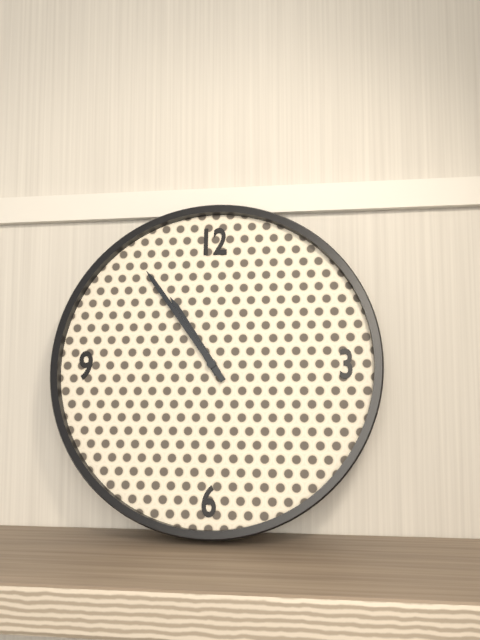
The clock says 10:54
